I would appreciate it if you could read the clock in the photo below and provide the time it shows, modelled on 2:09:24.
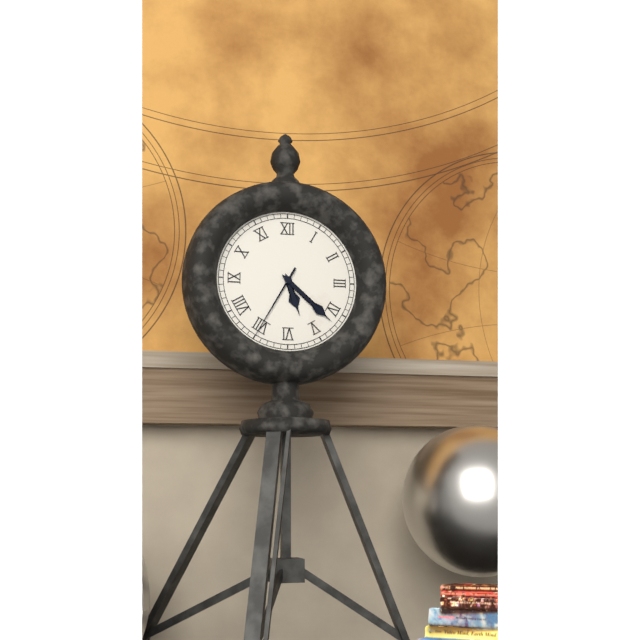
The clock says 5:22:35
